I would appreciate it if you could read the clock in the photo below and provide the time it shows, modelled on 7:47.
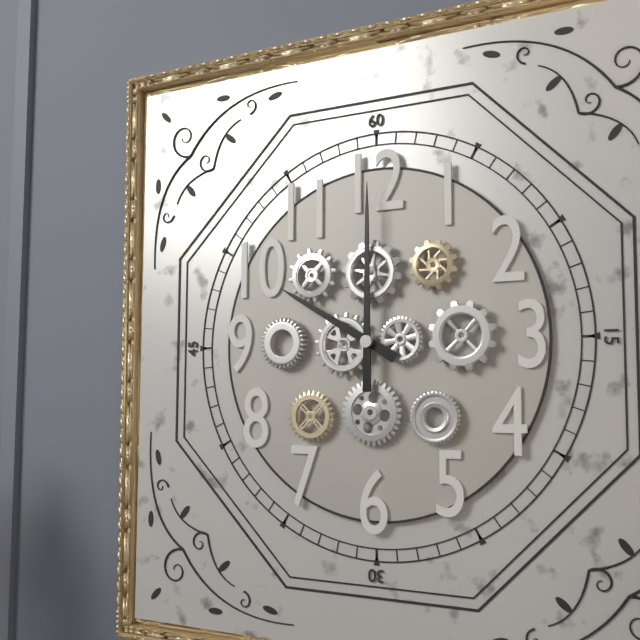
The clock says 10:00
